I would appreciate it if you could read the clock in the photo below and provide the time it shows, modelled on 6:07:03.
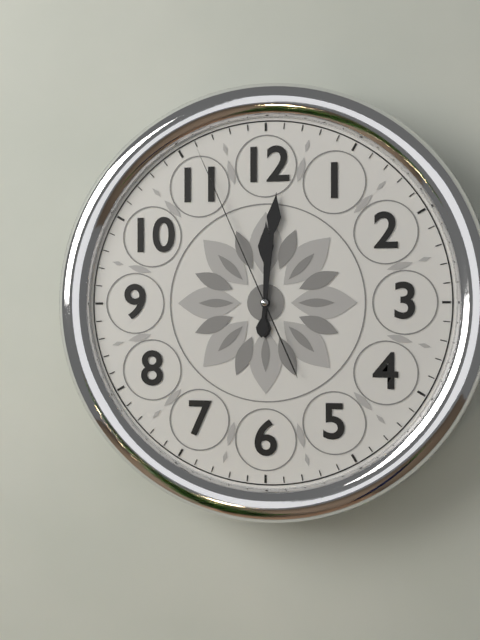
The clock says 12:01:56
